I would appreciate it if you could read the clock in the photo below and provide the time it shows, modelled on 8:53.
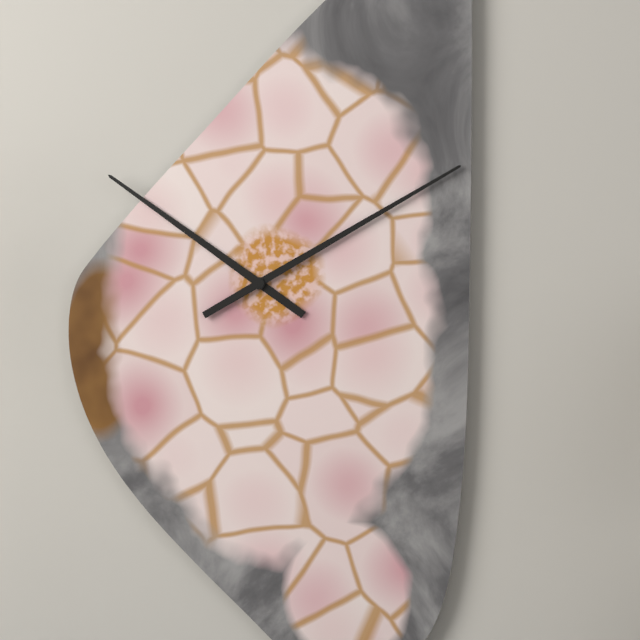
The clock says 10:10
